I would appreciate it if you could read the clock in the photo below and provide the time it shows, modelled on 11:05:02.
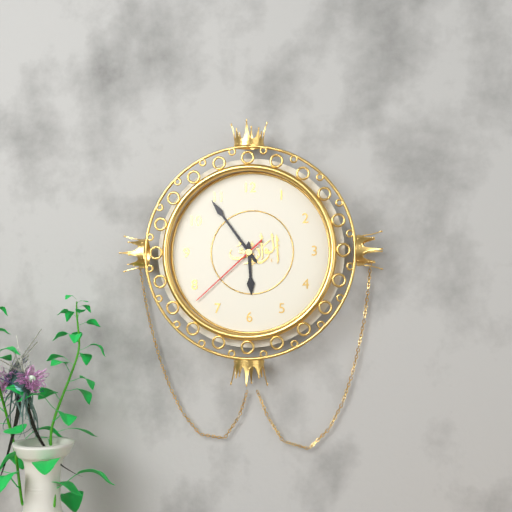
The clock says 5:54:38
